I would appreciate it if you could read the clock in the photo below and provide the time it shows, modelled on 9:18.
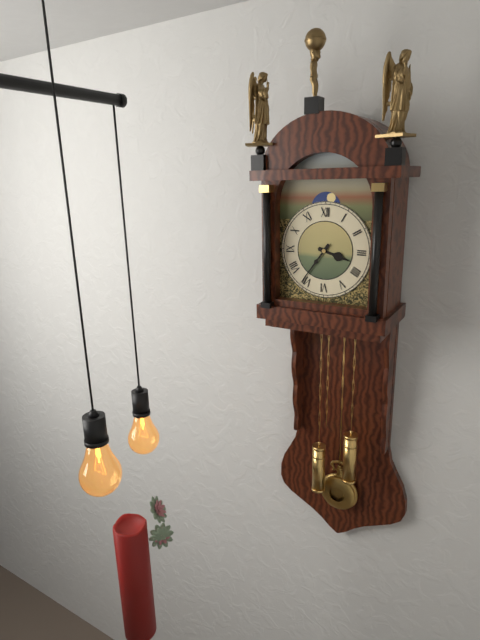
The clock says 3:36
